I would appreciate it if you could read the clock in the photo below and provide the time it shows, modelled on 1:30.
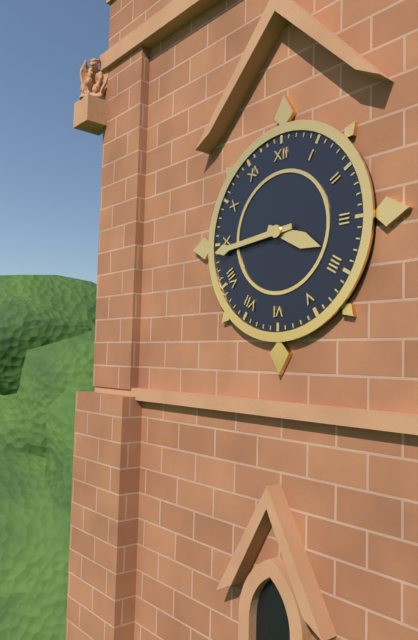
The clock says 3:44
